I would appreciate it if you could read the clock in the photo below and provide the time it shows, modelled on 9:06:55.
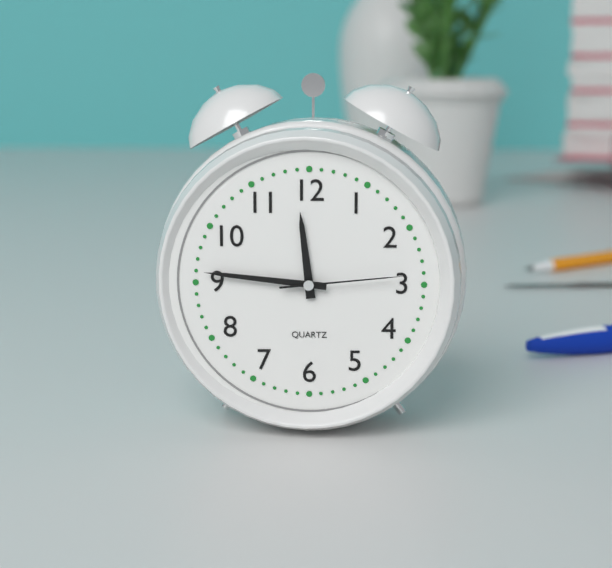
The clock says 11:46:14
